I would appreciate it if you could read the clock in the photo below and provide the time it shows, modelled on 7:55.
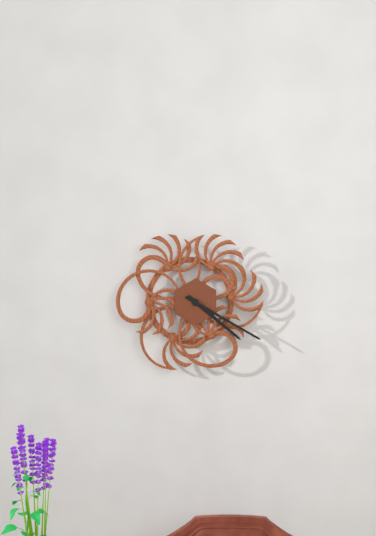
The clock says 4:20
